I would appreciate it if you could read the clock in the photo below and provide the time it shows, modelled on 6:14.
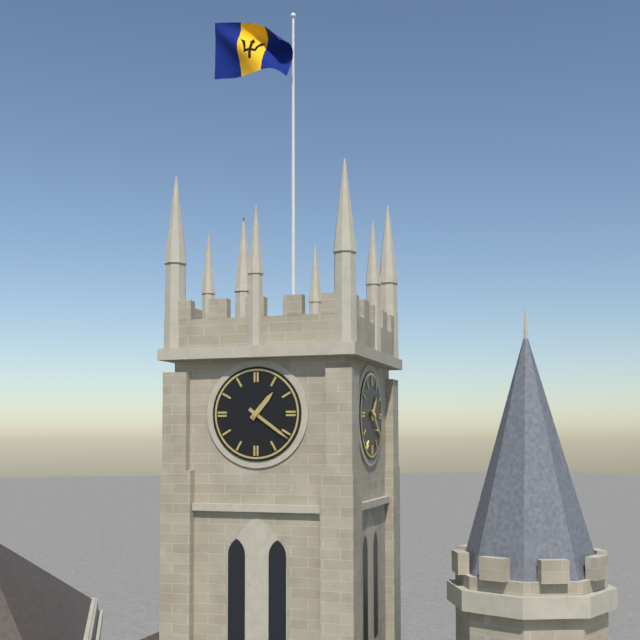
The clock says 1:21
